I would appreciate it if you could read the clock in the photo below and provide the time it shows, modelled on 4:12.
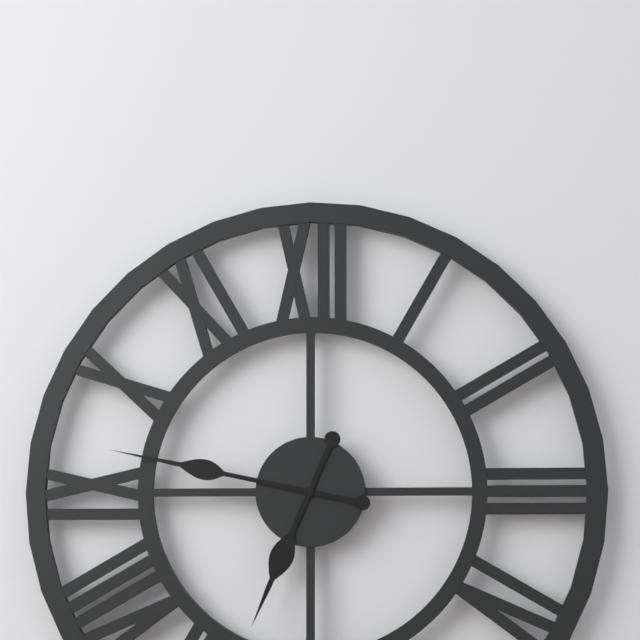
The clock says 6:47
